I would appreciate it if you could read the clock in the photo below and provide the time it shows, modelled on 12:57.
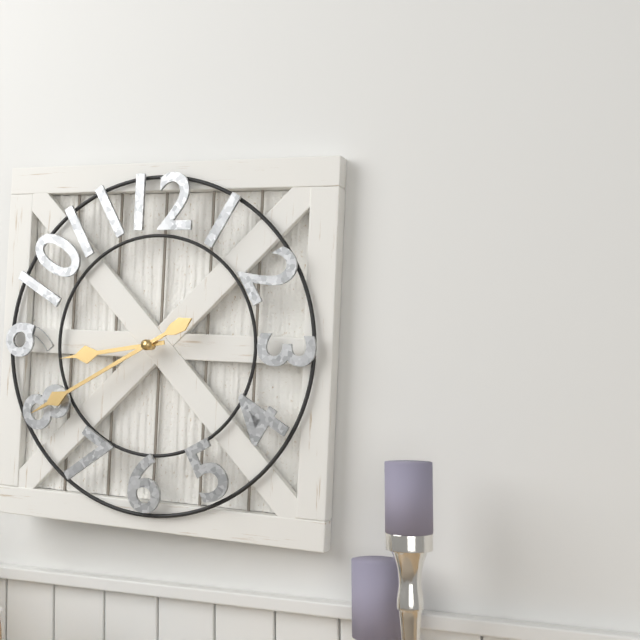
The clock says 8:40
